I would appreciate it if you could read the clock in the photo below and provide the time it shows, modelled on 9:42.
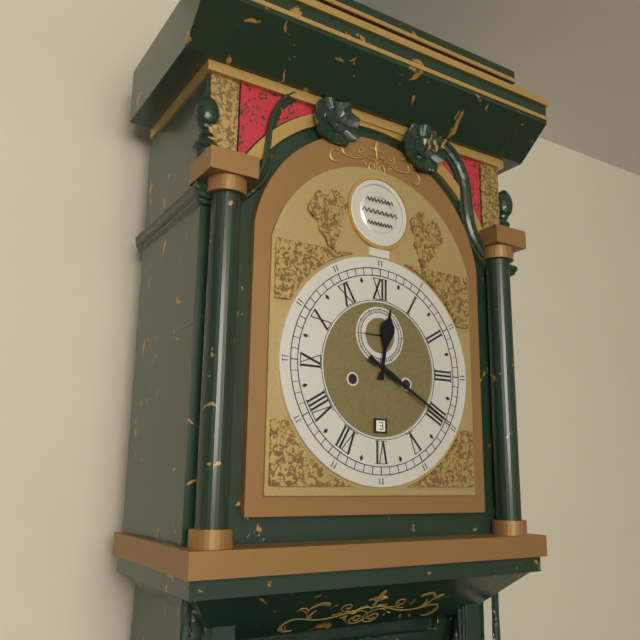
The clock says 12:20
